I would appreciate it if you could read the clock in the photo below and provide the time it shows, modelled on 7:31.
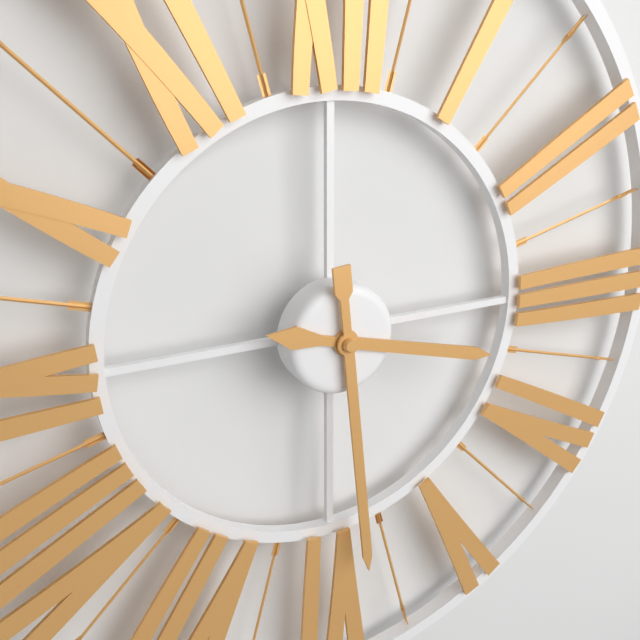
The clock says 3:29
